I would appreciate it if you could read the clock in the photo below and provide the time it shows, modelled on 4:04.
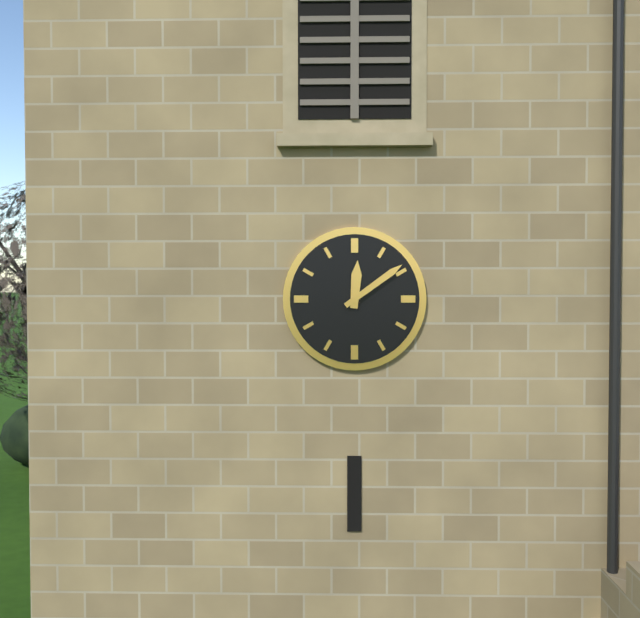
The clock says 12:09
